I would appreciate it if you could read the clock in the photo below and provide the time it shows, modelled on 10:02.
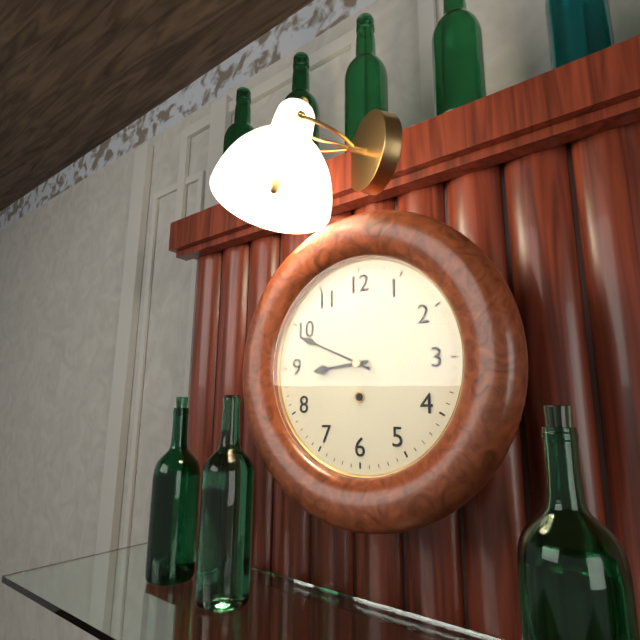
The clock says 8:49
